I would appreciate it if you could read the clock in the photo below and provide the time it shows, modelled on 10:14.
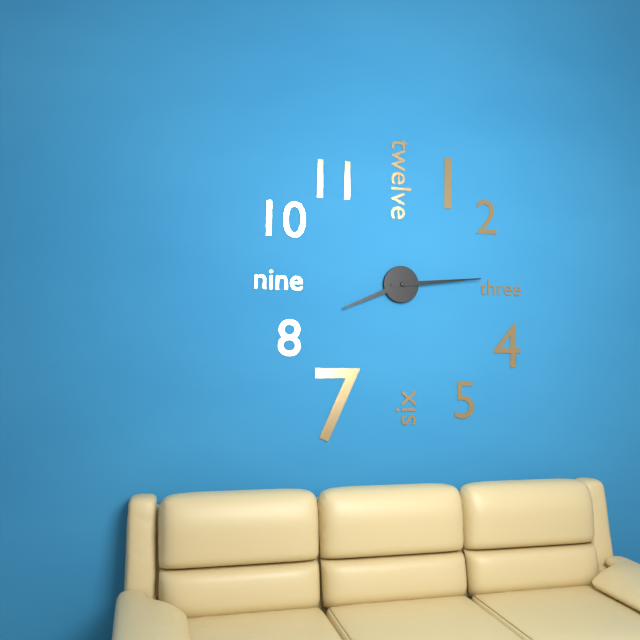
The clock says 8:14
